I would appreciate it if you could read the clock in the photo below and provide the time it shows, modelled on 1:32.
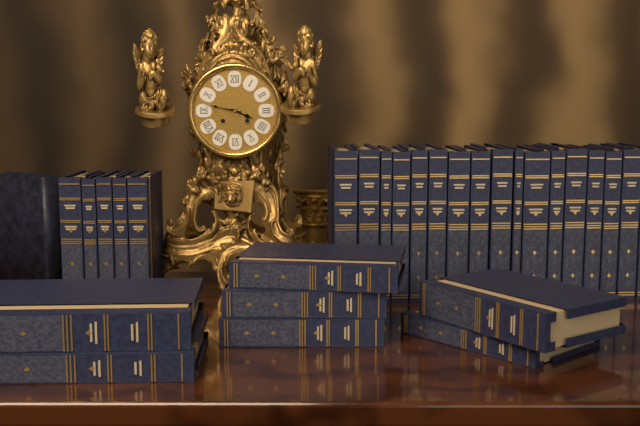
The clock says 3:47
